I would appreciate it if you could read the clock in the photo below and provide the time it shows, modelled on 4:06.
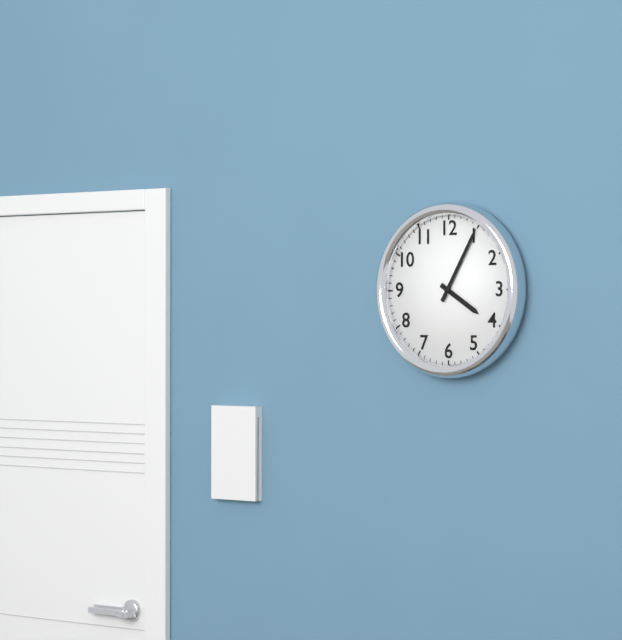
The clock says 4:05
